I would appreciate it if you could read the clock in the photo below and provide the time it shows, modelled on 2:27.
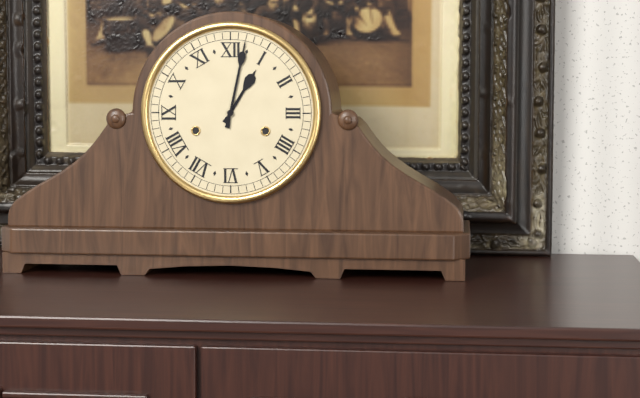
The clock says 1:02
